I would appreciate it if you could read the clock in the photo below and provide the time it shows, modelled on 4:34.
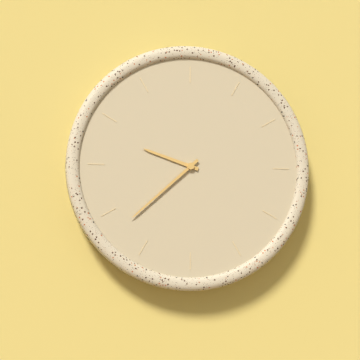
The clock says 9:38
